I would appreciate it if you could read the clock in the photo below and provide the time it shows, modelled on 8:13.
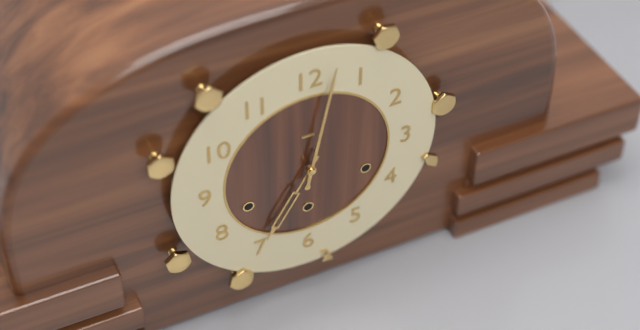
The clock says 7:02
